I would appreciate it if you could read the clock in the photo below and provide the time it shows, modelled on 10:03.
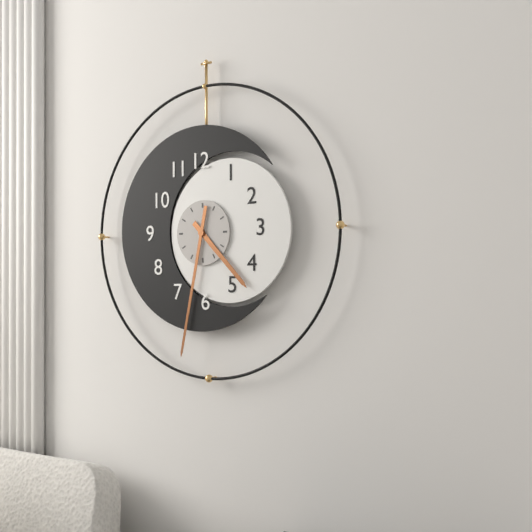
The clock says 4:32
